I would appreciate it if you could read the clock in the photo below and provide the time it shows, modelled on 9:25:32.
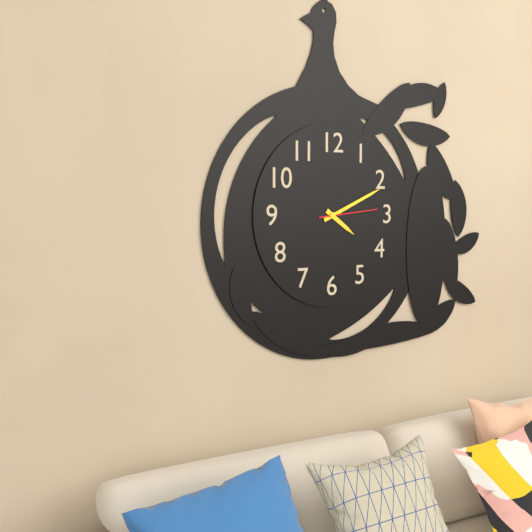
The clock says 4:11:14
